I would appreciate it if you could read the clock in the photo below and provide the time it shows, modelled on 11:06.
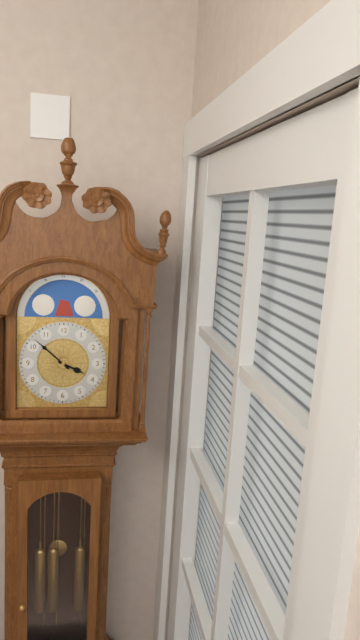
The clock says 3:52
